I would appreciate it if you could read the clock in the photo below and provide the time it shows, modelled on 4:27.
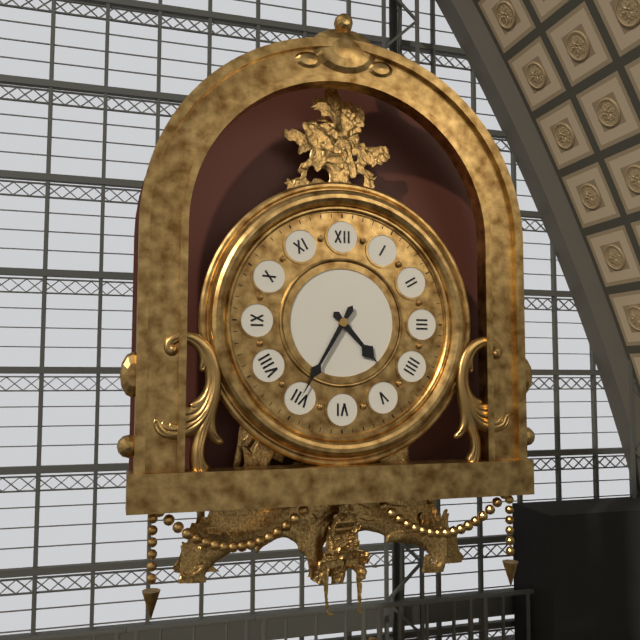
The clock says 4:35
